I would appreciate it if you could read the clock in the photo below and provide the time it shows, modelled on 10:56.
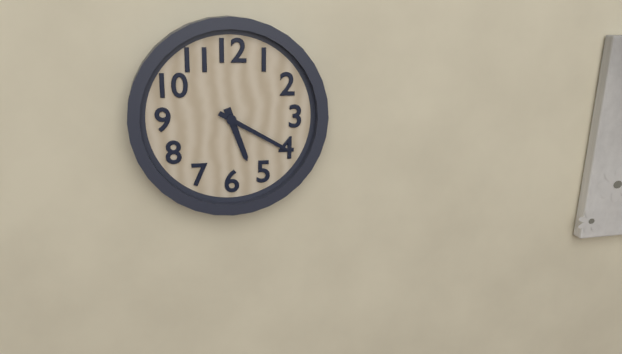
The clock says 5:20
